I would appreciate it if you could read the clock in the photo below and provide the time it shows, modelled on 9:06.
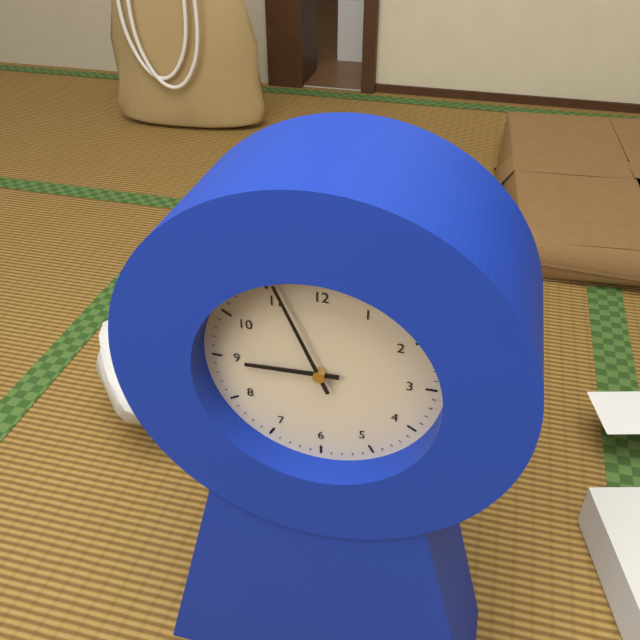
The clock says 8:56
